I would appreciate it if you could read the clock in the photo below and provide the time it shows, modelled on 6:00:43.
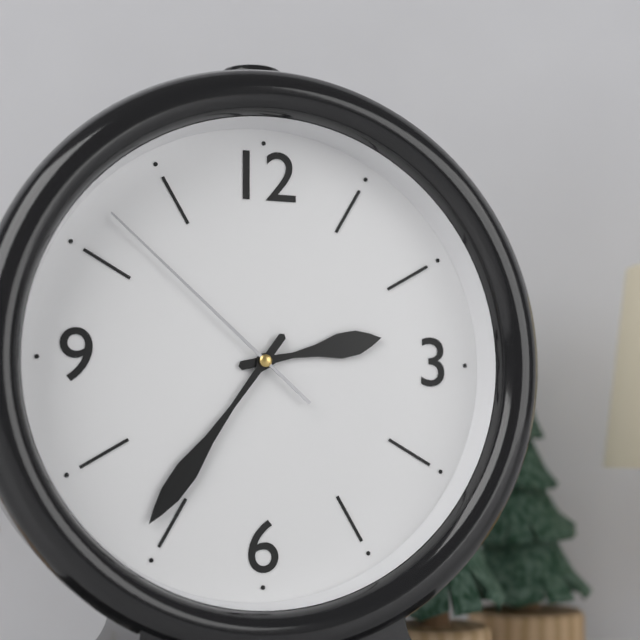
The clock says 2:36:52
